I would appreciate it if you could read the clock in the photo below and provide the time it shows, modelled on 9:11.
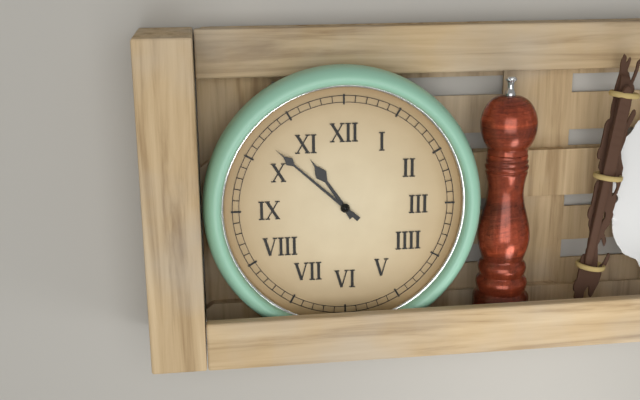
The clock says 10:52
